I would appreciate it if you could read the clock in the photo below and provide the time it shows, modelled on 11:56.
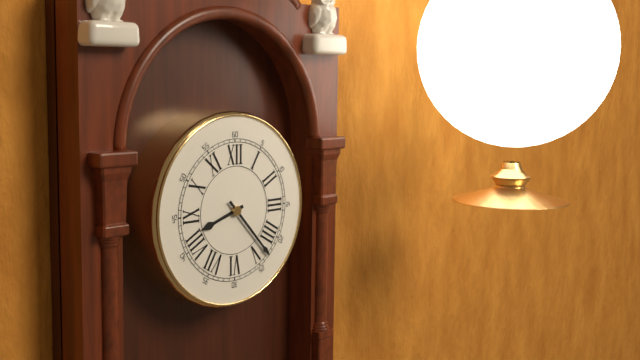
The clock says 8:23
